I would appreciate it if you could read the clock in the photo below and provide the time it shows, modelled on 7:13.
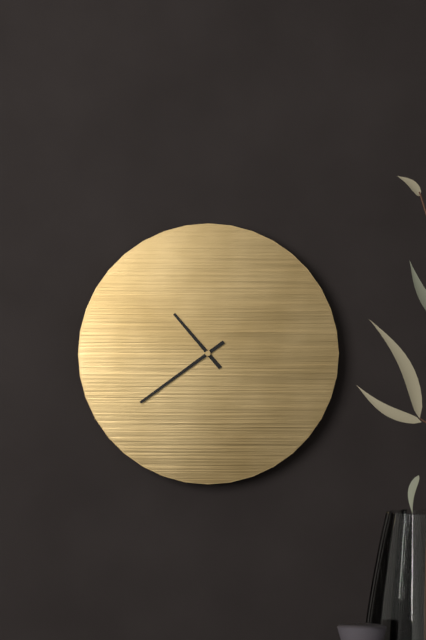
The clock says 10:39
